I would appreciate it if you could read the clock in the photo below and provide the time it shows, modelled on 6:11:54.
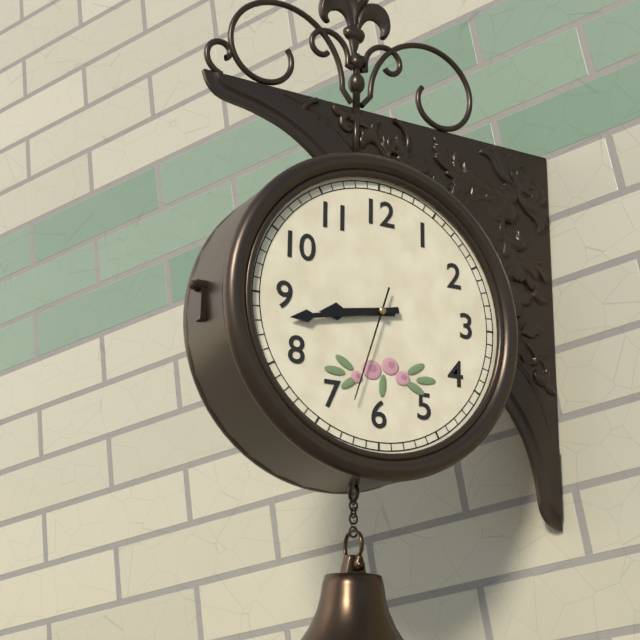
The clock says 8:43:33
